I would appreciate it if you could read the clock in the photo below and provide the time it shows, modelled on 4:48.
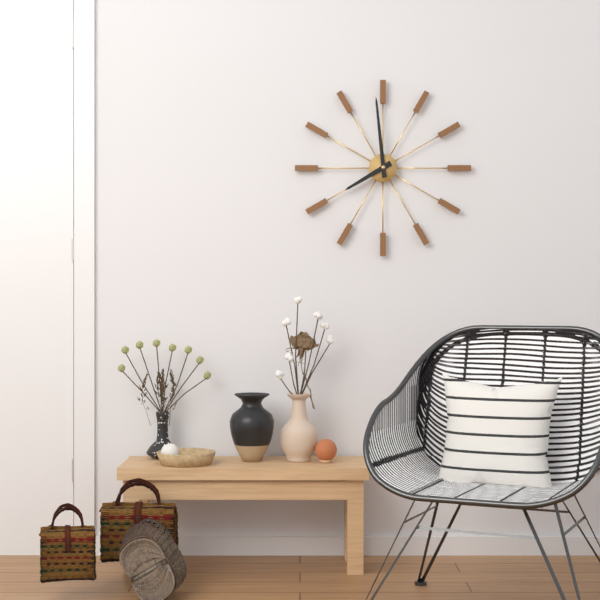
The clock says 7:59
